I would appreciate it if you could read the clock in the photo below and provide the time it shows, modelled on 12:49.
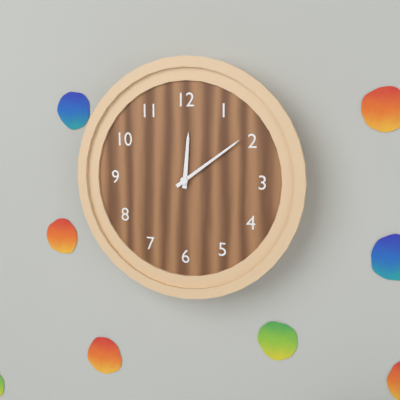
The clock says 12:09
